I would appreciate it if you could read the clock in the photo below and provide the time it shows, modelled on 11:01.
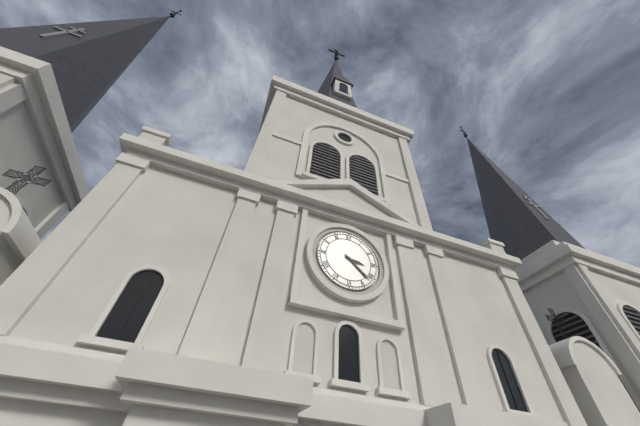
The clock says 3:22
